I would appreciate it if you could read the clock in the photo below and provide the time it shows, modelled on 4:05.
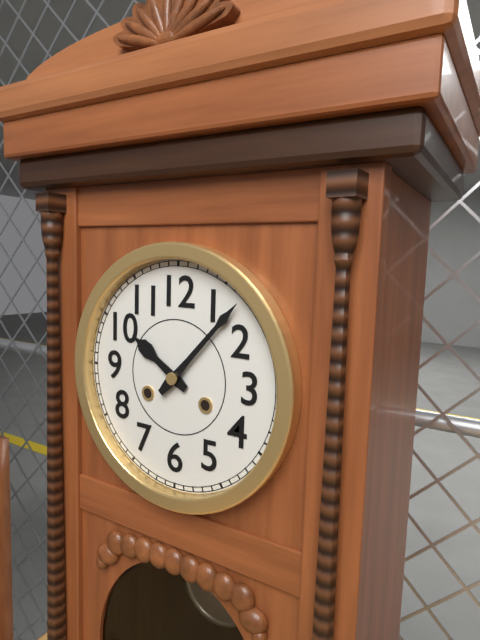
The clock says 10:07
